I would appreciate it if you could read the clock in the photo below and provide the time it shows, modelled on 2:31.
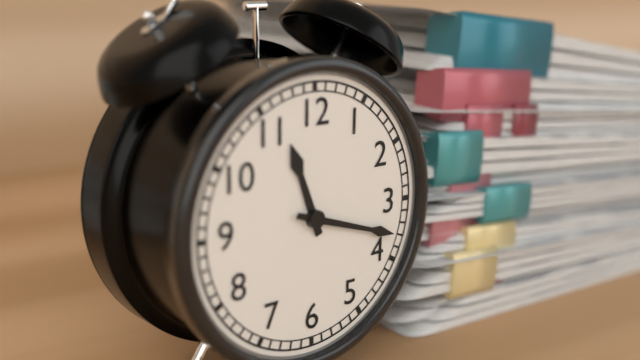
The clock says 11:18
